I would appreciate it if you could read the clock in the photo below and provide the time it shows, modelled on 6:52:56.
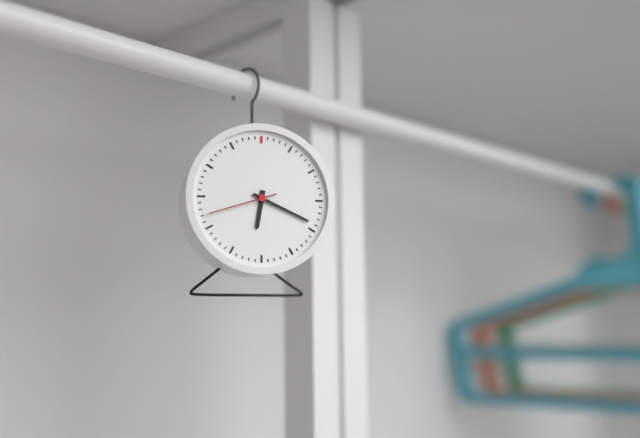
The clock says 6:19:42
